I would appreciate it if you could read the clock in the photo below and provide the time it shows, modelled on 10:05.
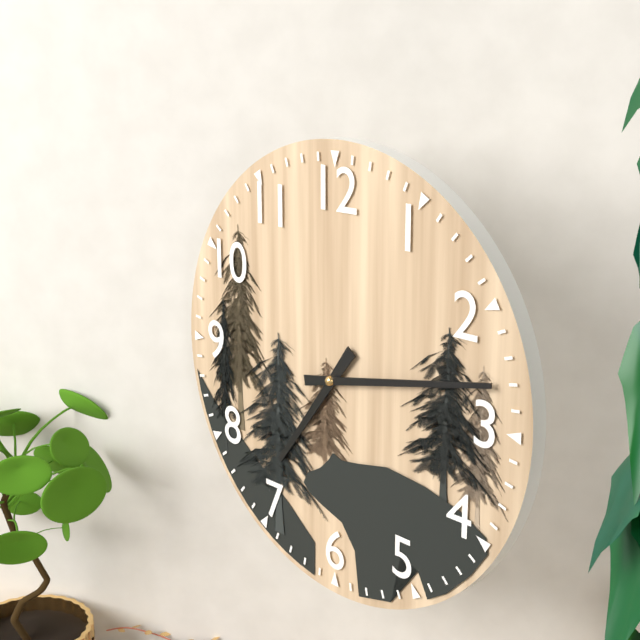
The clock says 7:13
